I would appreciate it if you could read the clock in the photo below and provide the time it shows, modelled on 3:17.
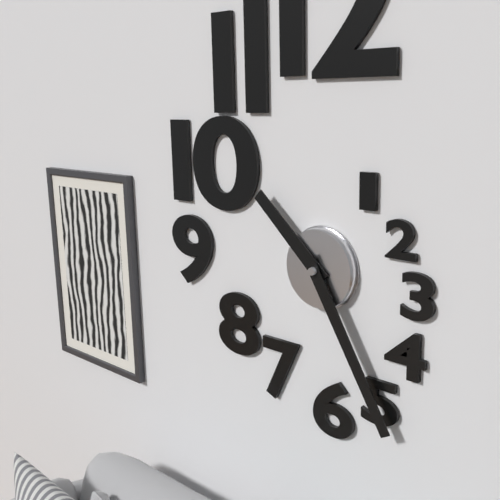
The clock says 10:25
